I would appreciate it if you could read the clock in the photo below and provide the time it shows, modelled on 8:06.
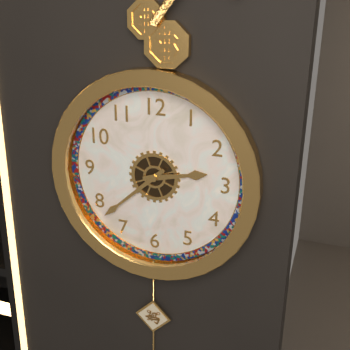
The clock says 2:38
